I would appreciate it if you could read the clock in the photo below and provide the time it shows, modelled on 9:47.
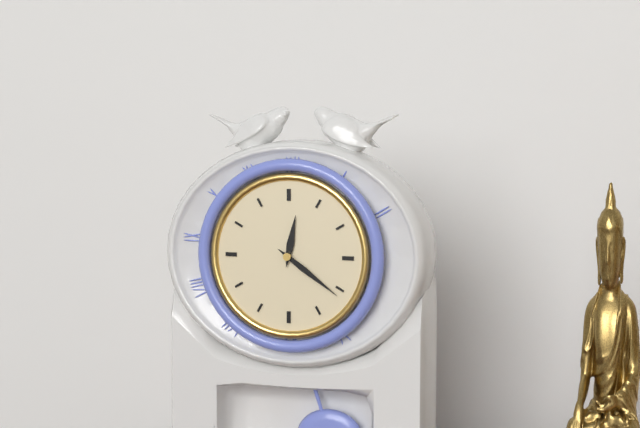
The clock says 12:21
